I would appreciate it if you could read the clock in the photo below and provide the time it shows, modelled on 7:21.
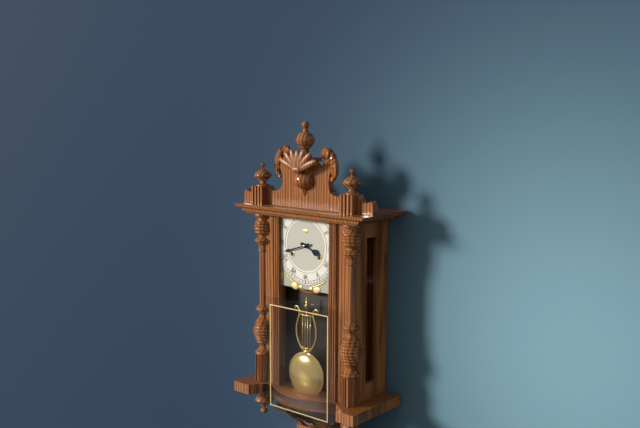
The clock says 3:42
